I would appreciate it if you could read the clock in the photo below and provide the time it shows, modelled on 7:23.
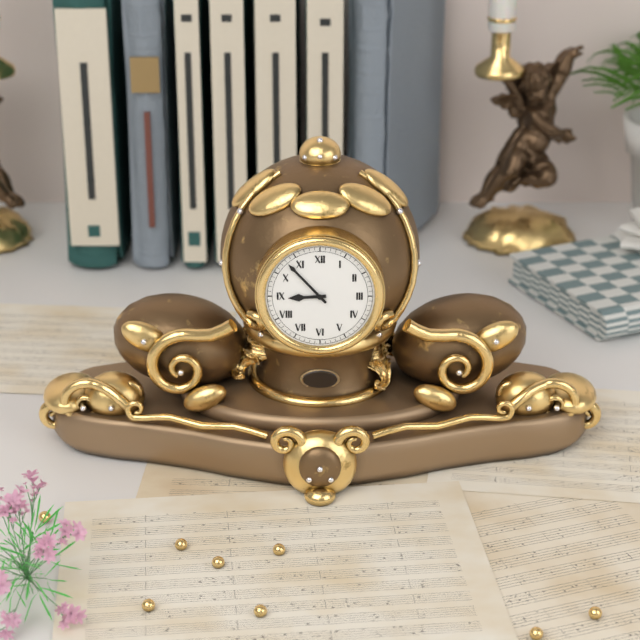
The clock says 8:53
